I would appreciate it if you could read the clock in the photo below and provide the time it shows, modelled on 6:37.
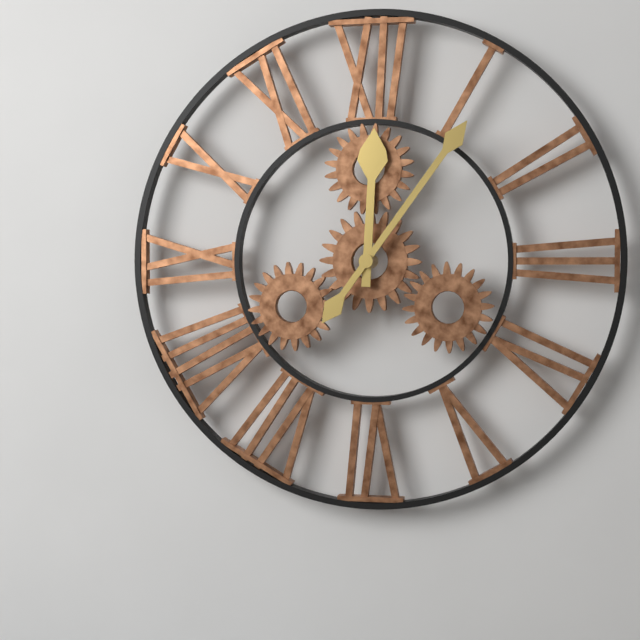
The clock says 12:06
